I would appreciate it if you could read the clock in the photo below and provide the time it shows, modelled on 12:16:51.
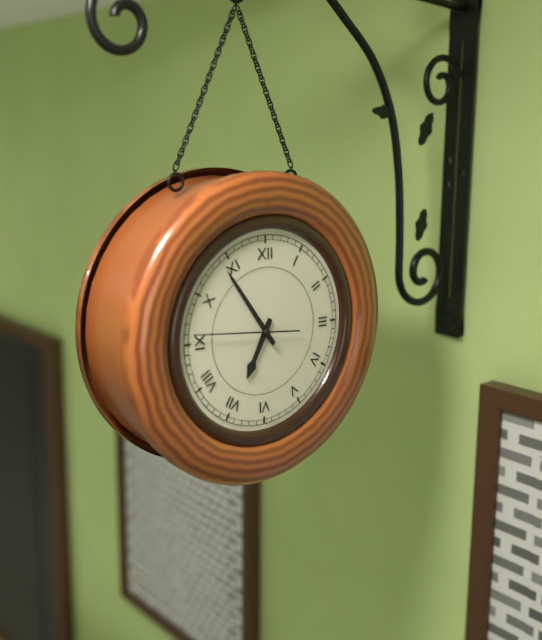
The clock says 6:54:46
